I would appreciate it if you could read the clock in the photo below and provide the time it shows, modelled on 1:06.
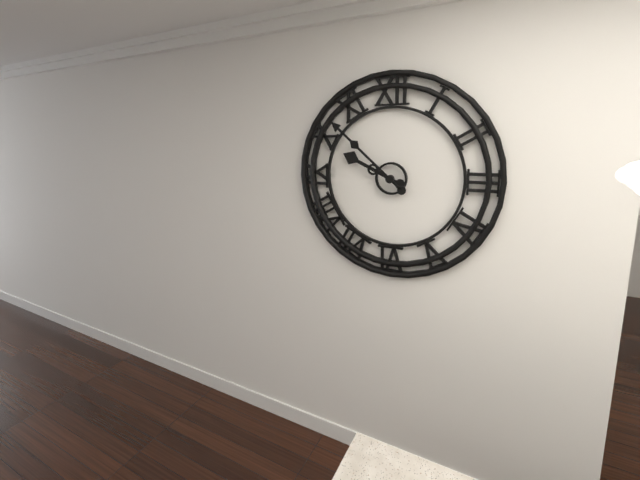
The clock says 9:52
